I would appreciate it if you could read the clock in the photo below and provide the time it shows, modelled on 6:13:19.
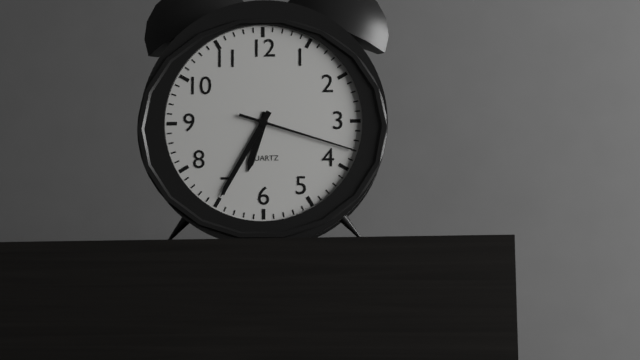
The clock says 6:35:18
